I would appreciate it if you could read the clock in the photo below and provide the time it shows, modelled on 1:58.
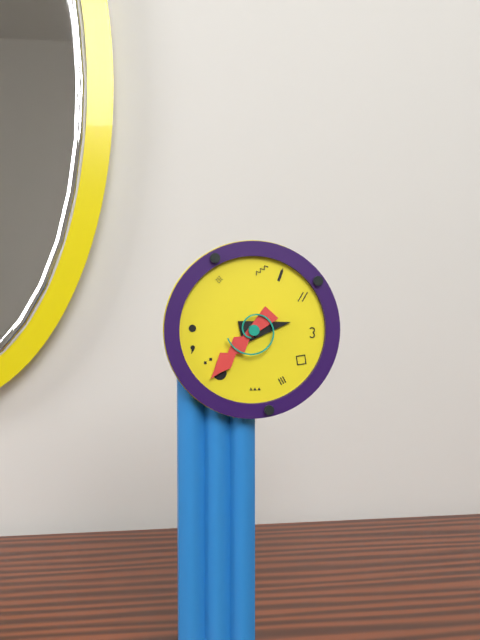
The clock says 2:37
